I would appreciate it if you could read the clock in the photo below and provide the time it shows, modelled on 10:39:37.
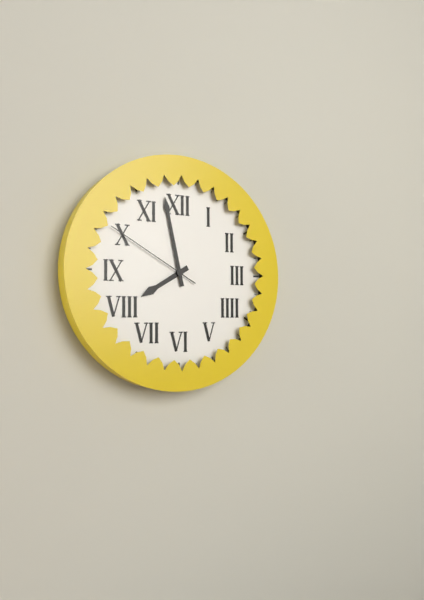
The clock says 7:58:50
